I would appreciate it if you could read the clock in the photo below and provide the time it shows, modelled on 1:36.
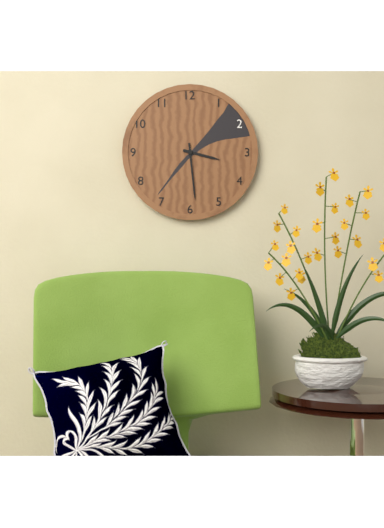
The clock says 3:29
